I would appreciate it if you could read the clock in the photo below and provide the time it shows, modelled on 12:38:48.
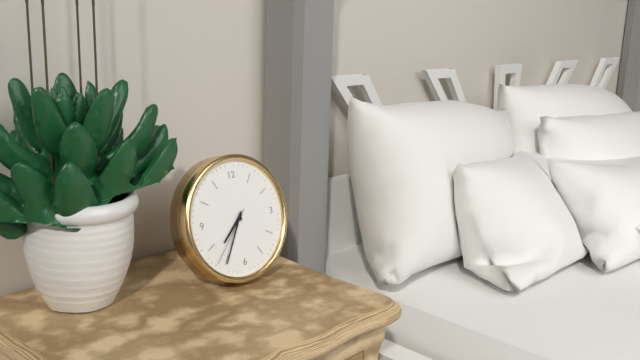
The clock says 7:35:37
